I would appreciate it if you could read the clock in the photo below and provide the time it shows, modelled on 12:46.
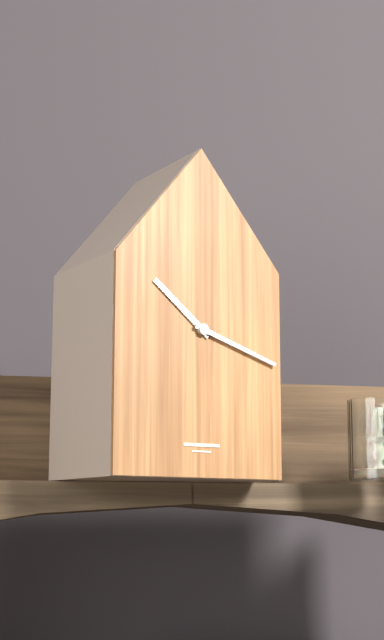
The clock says 10:18
